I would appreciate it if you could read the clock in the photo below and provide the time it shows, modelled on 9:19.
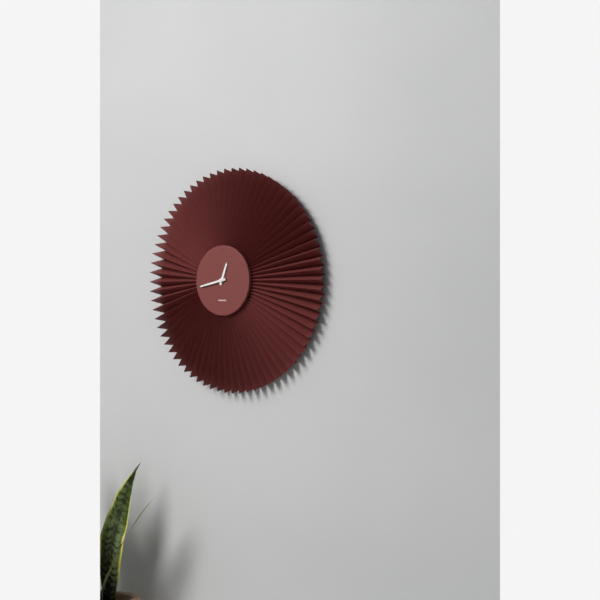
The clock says 12:43
